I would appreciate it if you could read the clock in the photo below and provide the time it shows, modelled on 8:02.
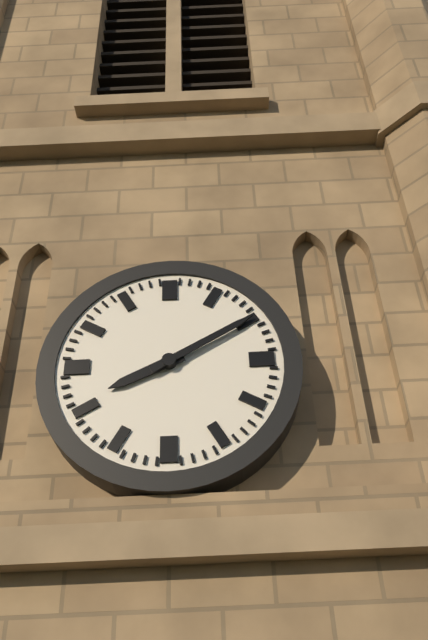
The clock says 8:10
